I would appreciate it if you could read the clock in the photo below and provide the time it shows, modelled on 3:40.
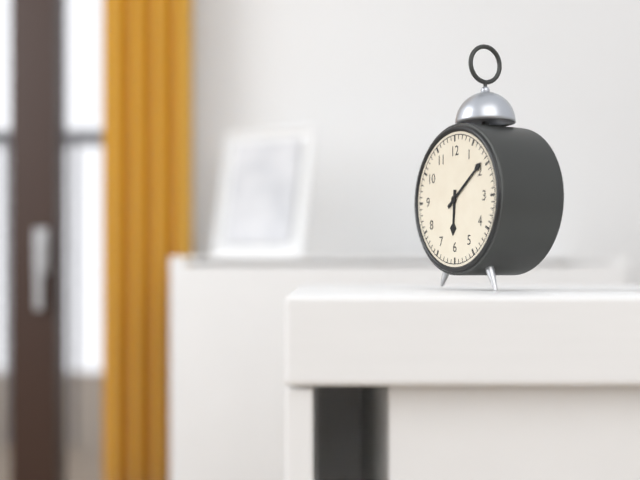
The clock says 6:09
